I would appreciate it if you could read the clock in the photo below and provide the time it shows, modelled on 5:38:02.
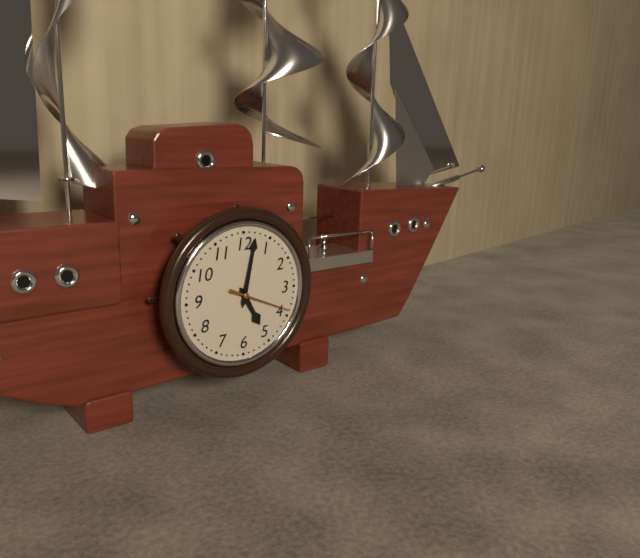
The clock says 5:02:19
